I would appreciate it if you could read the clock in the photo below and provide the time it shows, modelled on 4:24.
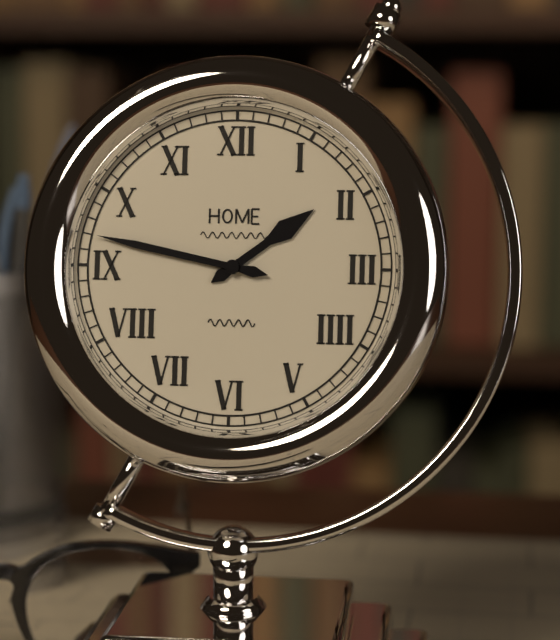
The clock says 1:47
